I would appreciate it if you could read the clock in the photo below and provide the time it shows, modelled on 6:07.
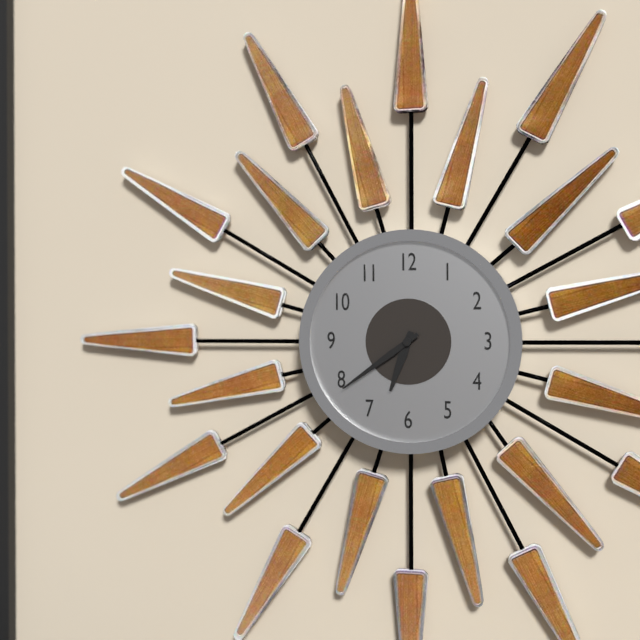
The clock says 6:39
